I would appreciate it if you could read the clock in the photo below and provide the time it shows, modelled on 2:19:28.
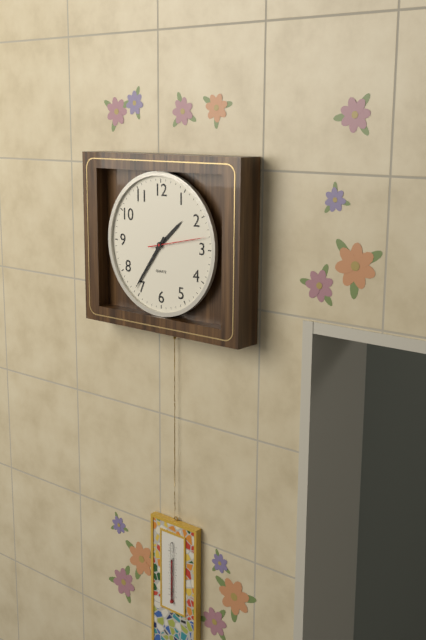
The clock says 1:36:13
